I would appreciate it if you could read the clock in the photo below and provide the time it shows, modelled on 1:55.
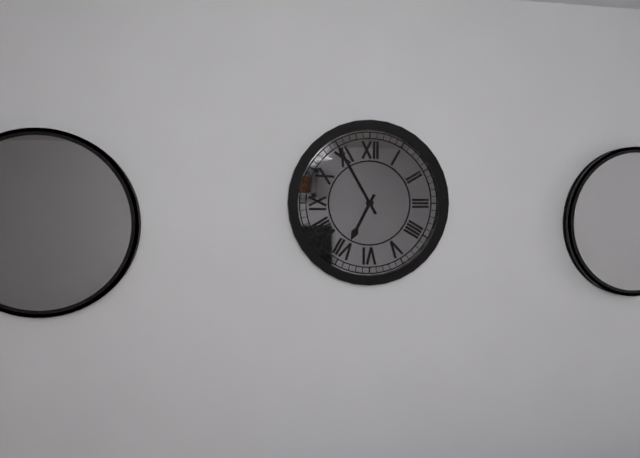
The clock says 6:55
